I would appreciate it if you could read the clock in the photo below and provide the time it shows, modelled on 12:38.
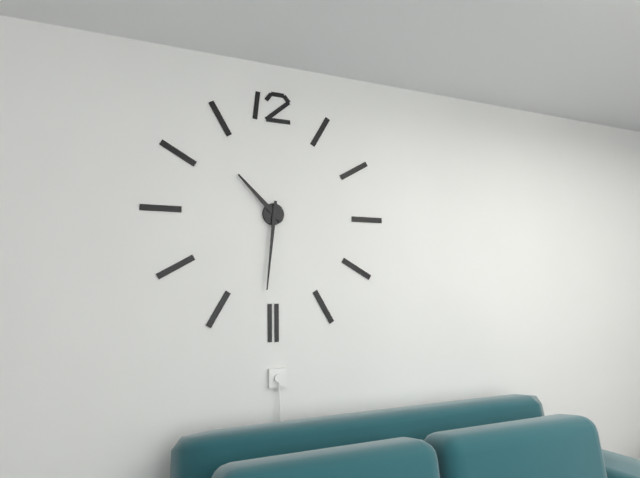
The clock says 10:31
